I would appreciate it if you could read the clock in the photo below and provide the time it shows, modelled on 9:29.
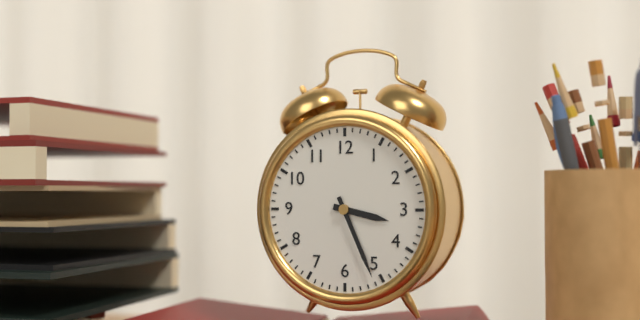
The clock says 3:26
